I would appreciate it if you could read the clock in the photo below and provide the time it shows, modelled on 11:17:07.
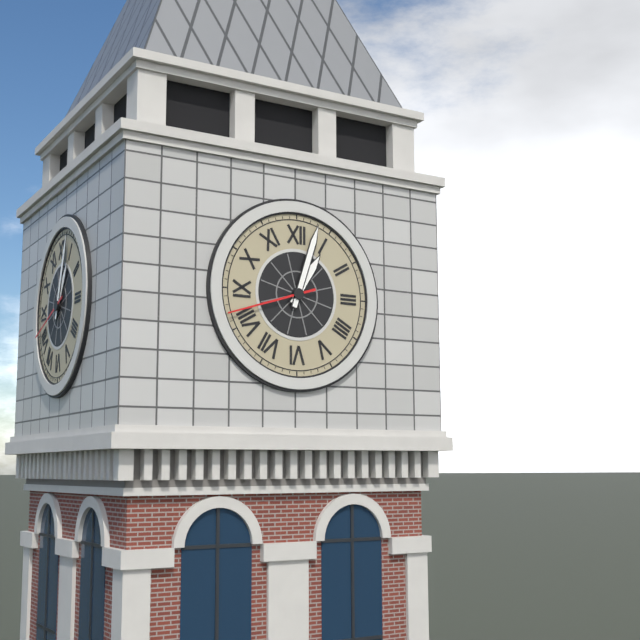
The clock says 1:03:42
